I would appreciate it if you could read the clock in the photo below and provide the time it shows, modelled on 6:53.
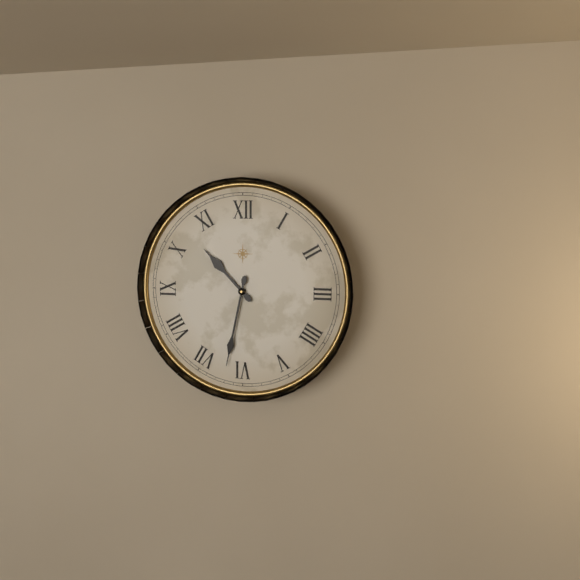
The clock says 10:32
